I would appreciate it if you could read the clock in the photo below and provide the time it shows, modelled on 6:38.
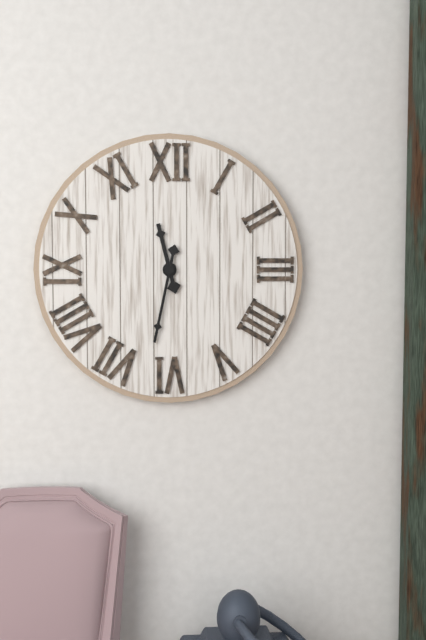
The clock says 11:32
